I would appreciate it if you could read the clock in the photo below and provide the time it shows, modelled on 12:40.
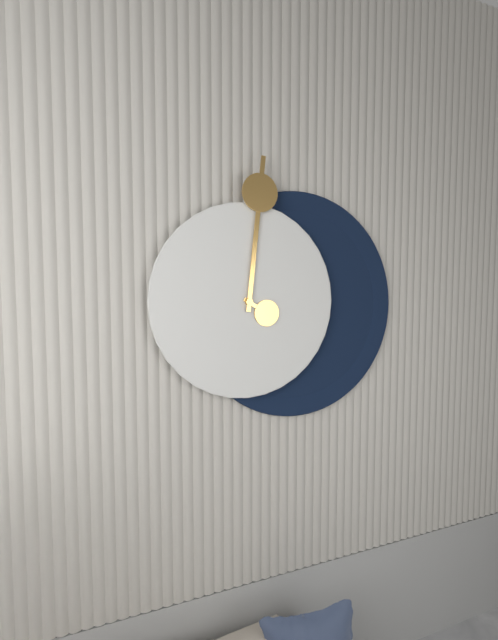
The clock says 4:01
